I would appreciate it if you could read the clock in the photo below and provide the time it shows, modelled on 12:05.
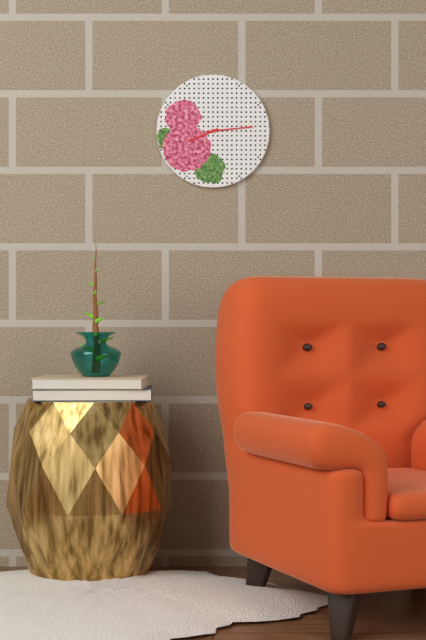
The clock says 8:14
